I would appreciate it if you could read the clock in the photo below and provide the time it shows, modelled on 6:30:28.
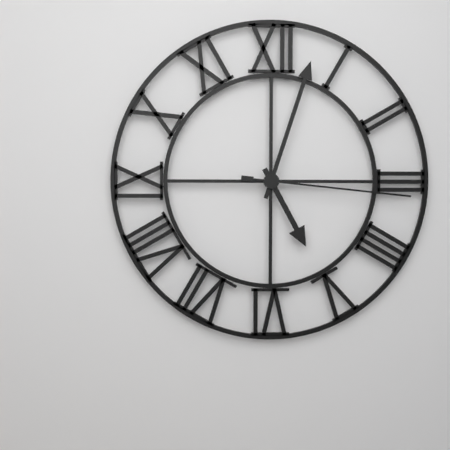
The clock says 5:03:16
